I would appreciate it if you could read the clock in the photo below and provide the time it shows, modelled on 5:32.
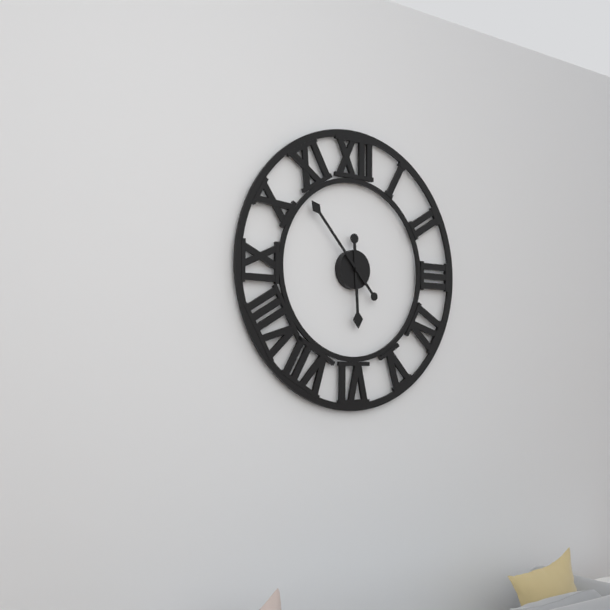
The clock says 5:53
